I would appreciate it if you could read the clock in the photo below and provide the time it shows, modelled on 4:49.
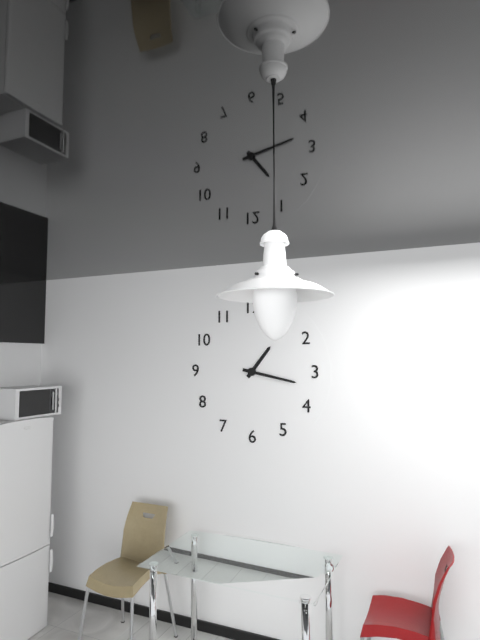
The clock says 1:17
